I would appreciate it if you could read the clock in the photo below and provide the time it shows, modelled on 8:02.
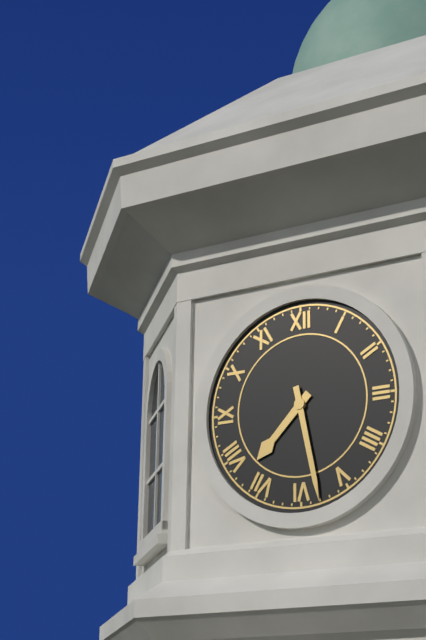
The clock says 7:28
